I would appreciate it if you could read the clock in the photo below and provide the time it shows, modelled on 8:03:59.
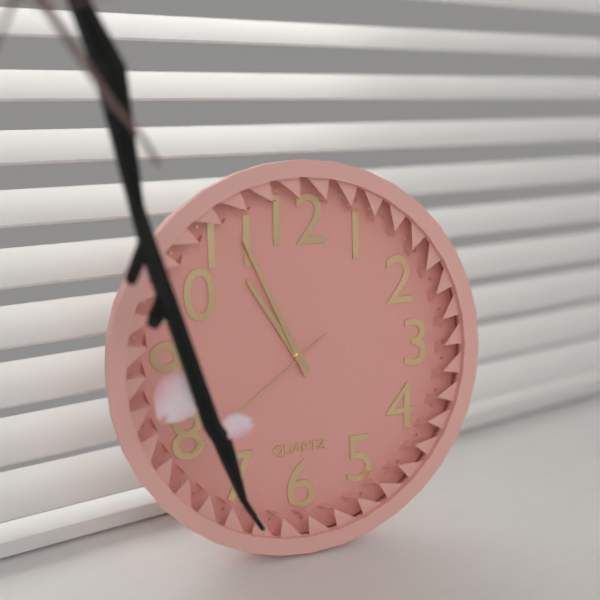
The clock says 10:56:39
